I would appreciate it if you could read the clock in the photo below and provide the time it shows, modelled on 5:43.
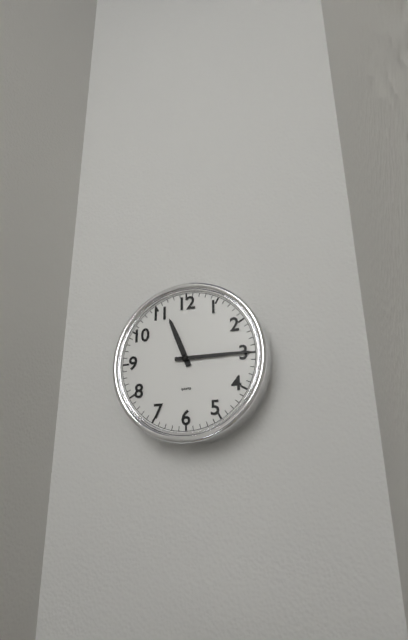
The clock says 11:15
